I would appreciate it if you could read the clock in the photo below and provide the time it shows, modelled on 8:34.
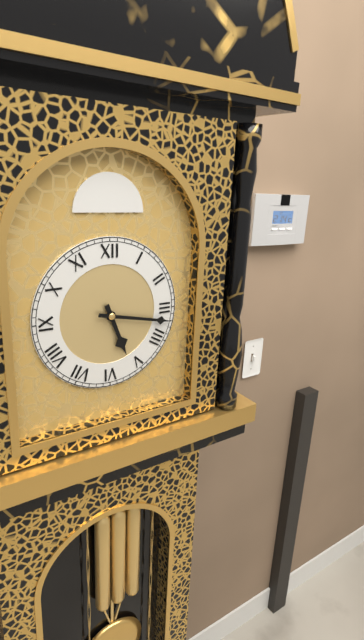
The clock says 5:17
